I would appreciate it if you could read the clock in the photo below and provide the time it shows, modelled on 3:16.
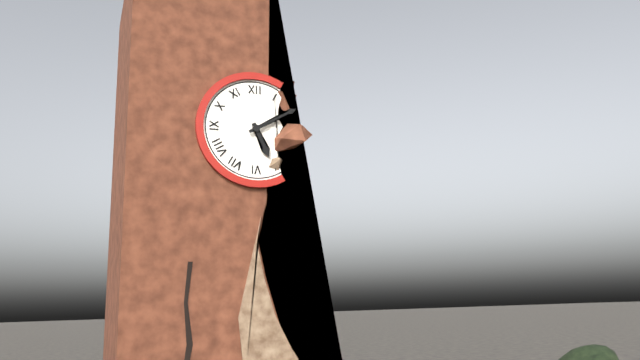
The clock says 5:10
